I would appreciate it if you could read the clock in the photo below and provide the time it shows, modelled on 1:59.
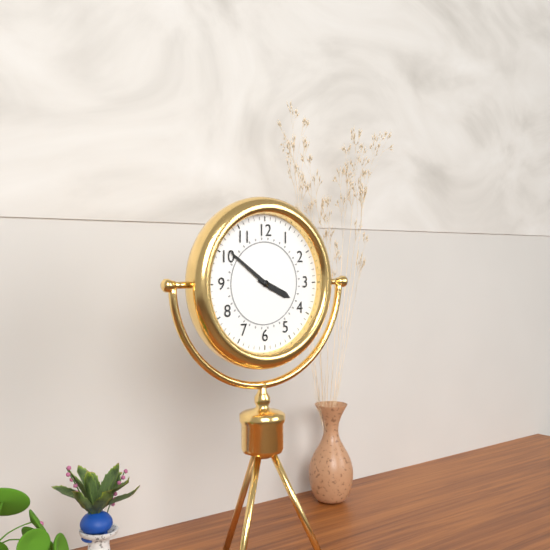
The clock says 3:51
